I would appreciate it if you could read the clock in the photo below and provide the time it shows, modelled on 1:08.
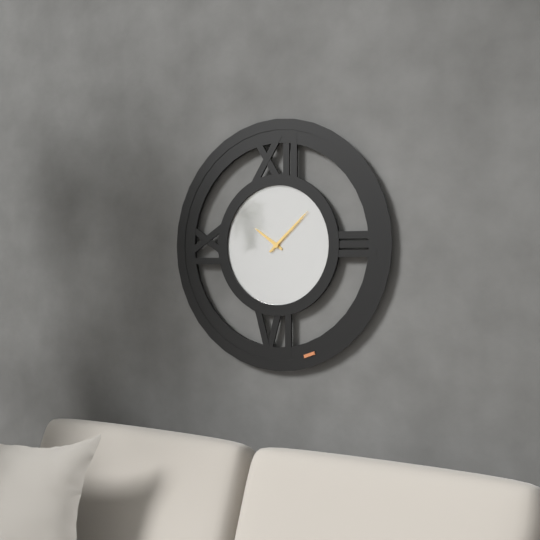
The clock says 10:08
